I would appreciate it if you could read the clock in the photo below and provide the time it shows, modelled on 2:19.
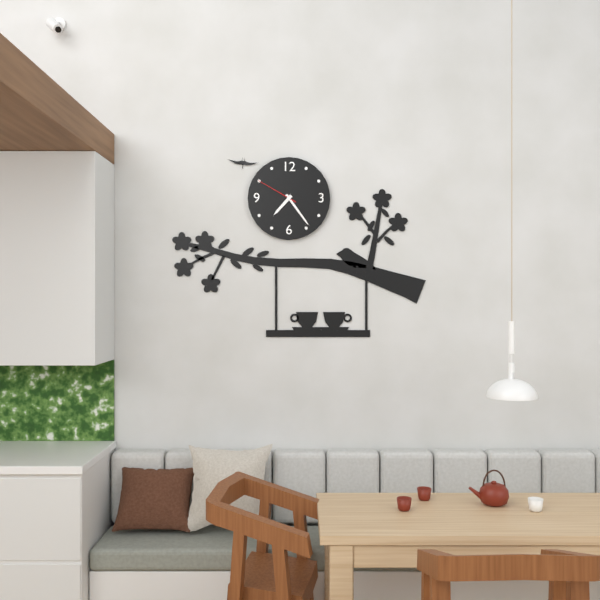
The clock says 7:24
